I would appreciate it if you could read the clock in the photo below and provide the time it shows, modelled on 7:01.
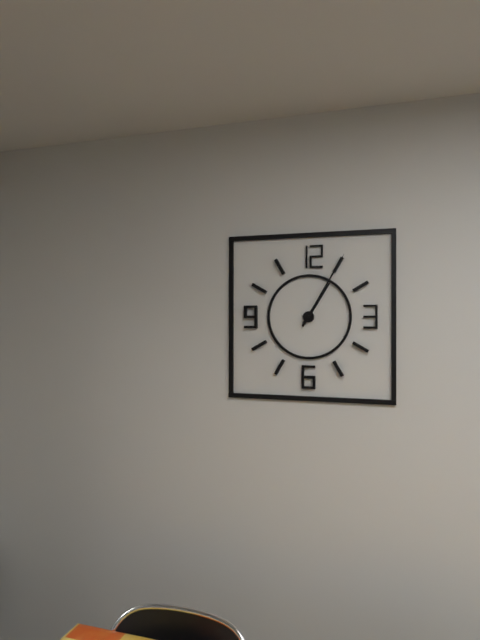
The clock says 1:05
